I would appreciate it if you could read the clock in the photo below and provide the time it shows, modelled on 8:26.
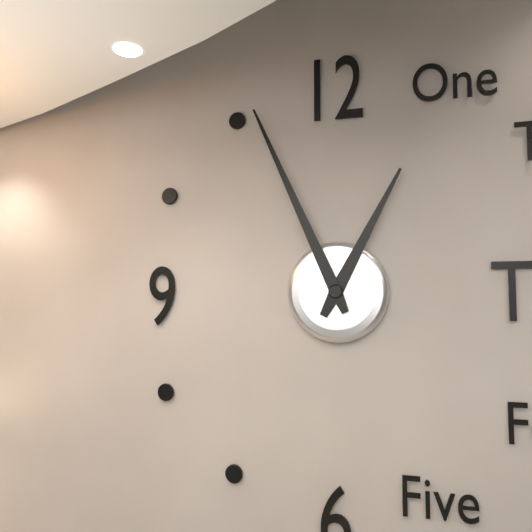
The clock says 12:56
